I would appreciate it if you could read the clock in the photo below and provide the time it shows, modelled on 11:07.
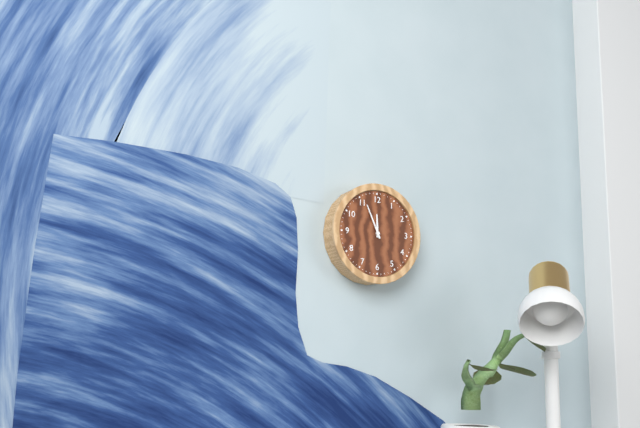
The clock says 11:56
